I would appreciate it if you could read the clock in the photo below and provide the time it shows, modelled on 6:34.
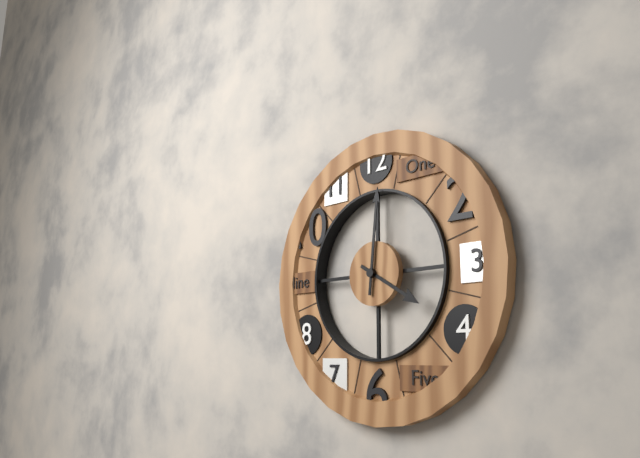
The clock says 4:01
